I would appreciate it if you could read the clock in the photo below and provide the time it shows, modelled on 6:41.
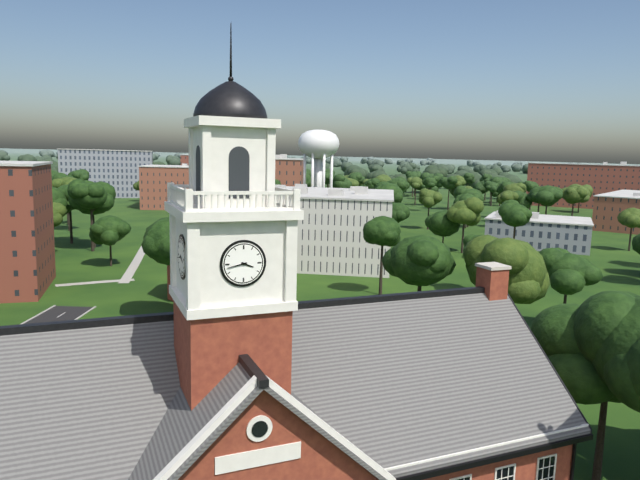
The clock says 3:43
